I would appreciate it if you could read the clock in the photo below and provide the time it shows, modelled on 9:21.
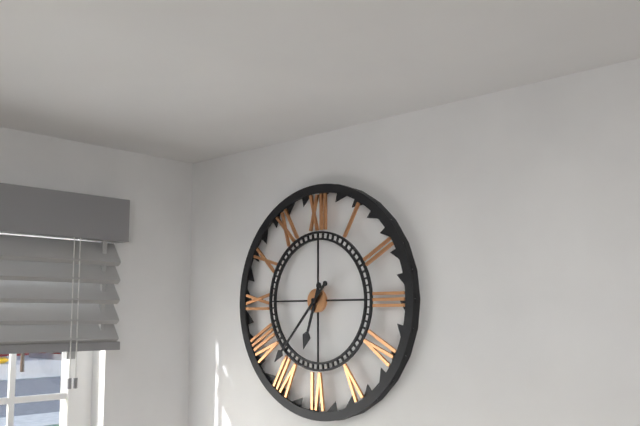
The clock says 6:37
